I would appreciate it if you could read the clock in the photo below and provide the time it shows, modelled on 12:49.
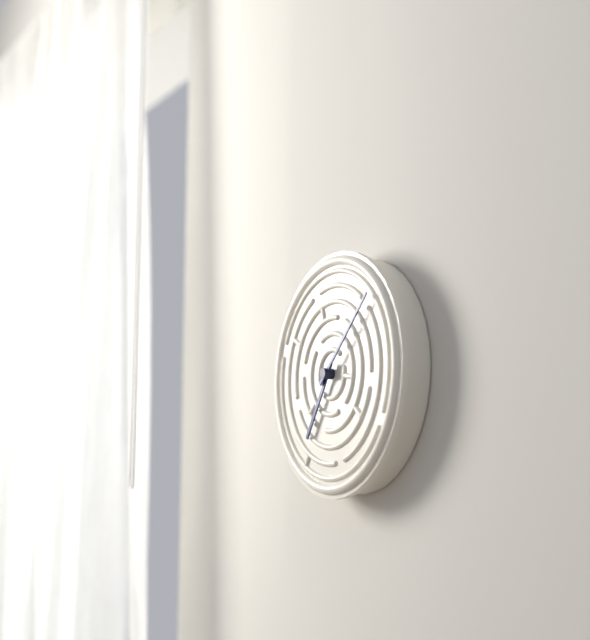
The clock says 7:08
